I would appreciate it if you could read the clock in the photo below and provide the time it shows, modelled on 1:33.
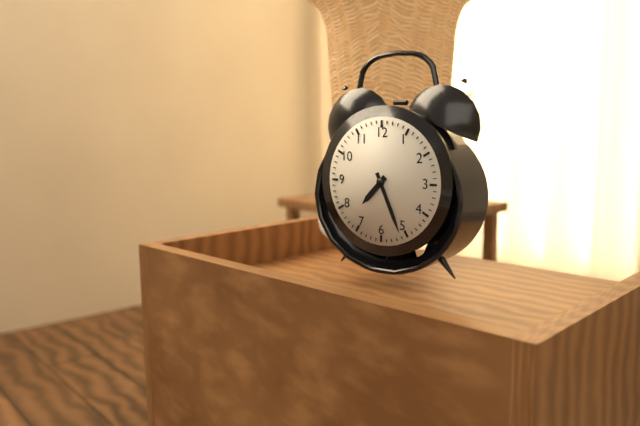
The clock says 7:26
